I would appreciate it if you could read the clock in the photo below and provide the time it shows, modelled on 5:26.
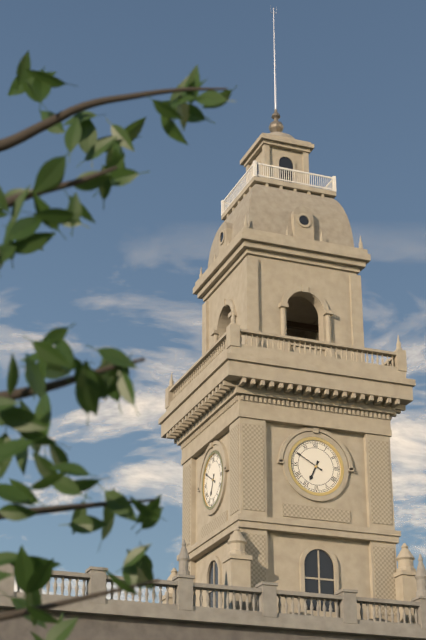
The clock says 6:50
